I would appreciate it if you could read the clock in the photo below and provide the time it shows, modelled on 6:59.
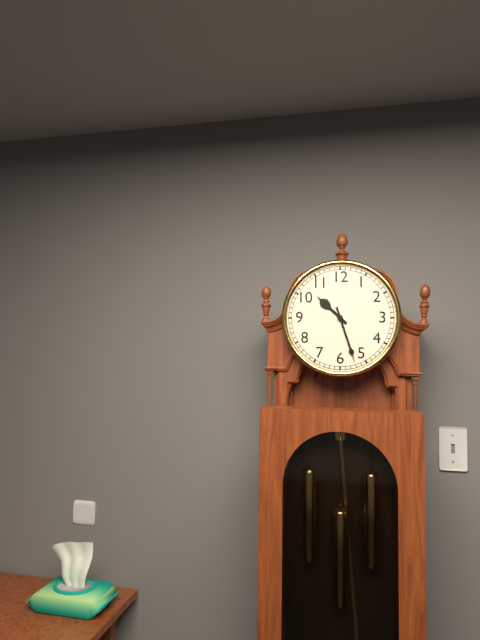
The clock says 10:27
